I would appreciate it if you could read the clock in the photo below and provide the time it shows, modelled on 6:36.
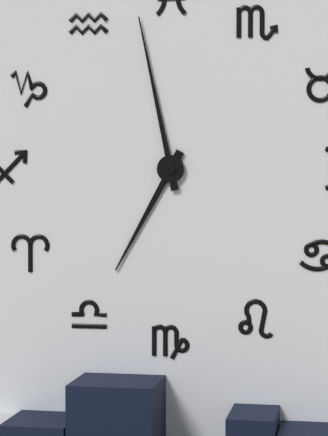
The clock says 6:58
